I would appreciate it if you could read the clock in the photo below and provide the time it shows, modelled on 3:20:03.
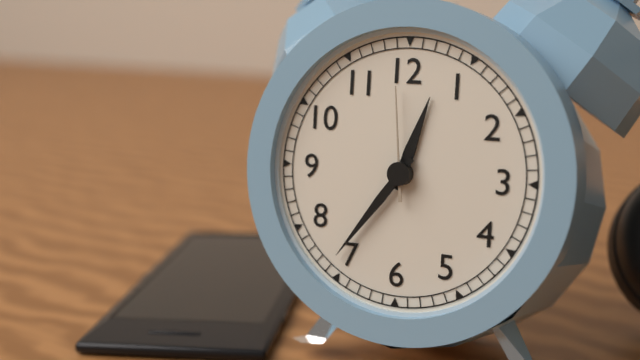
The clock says 12:36:59
